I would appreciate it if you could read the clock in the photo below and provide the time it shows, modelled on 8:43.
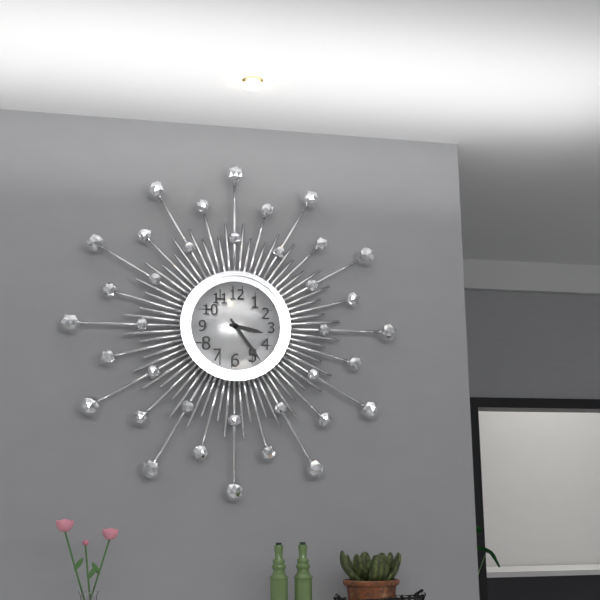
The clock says 3:24
